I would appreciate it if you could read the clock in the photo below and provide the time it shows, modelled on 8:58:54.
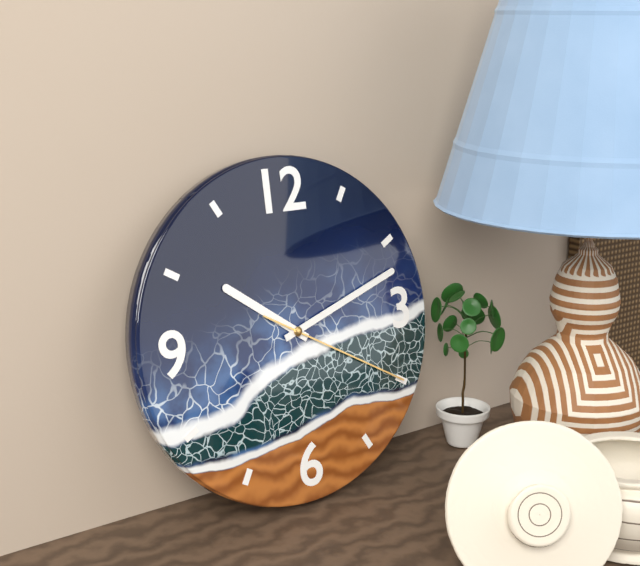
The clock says 10:12:20
